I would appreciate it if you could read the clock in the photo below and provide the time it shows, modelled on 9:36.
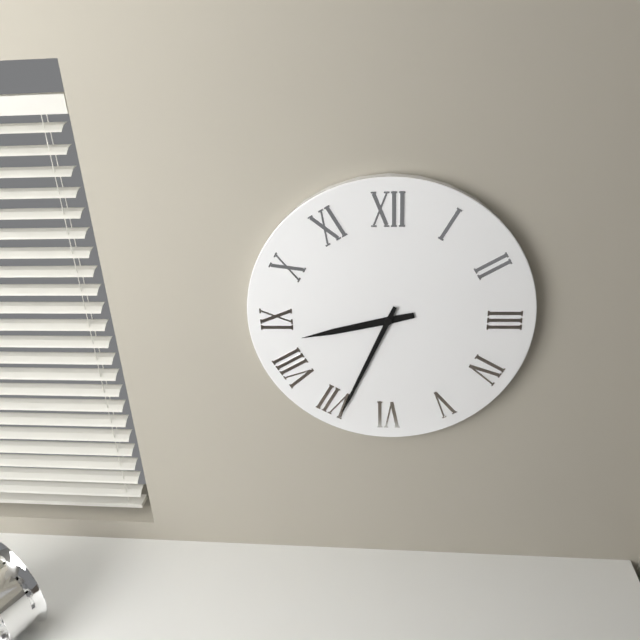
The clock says 8:34
